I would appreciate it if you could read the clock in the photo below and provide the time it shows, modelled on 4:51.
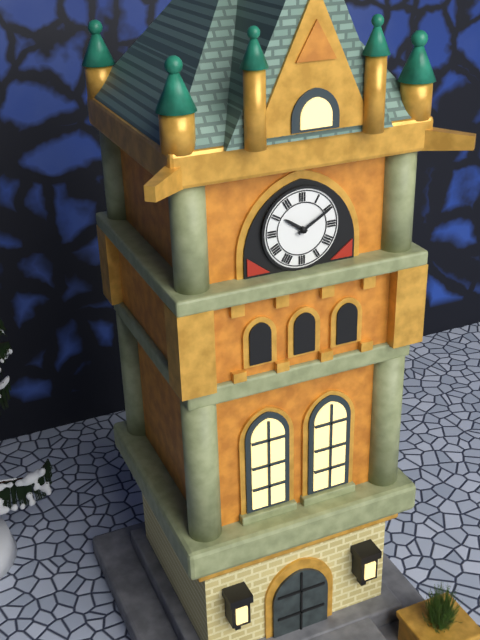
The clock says 10:10
